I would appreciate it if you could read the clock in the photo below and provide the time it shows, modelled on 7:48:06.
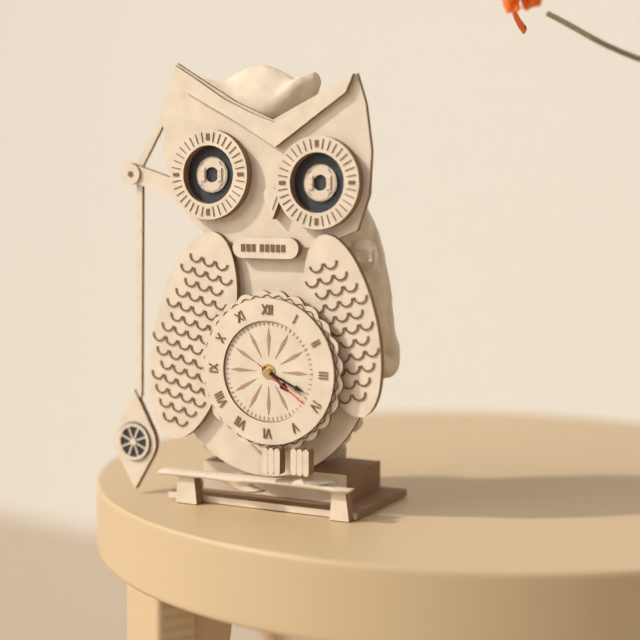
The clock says 4:19:21
